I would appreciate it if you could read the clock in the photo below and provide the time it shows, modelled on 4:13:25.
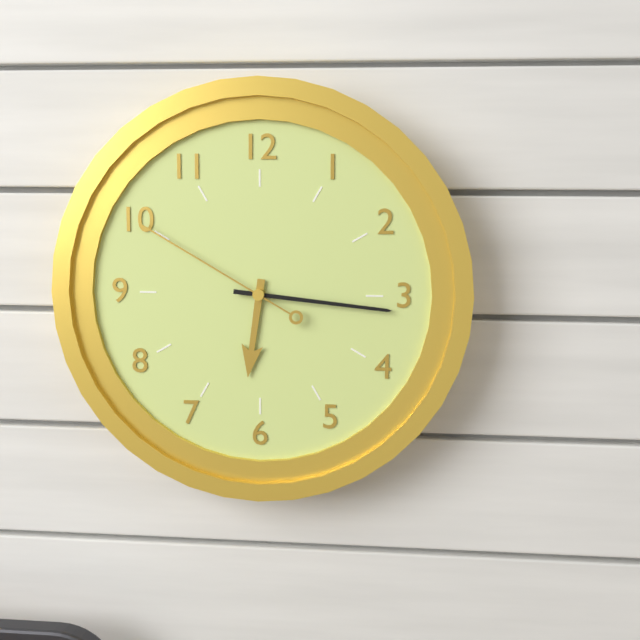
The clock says 6:16:50
